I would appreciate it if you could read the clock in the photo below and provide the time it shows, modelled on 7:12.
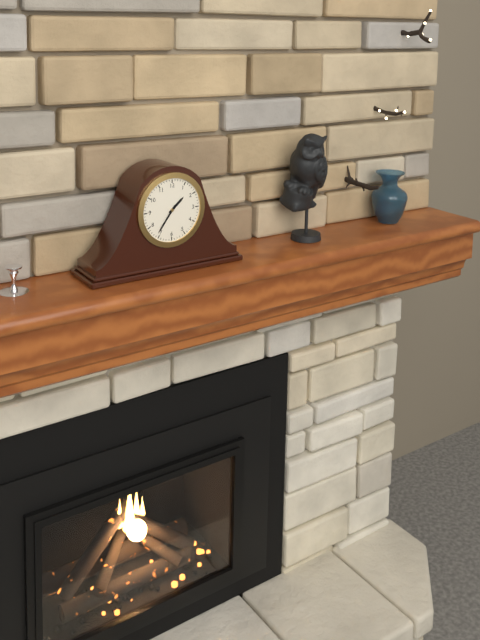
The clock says 1:36
